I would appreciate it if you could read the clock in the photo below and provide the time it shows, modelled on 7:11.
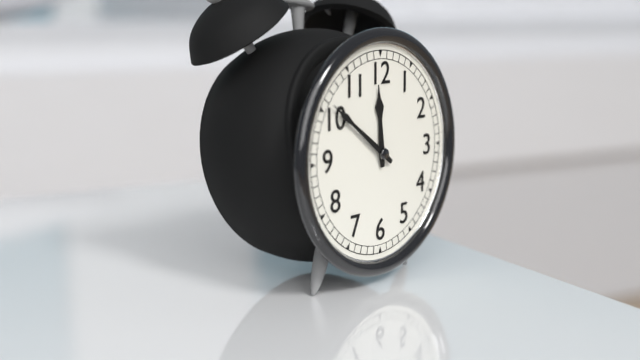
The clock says 11:51
